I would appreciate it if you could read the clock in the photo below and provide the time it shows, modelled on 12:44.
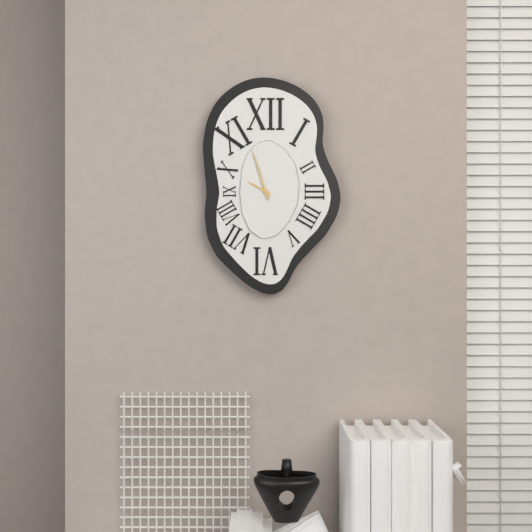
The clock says 9:57
